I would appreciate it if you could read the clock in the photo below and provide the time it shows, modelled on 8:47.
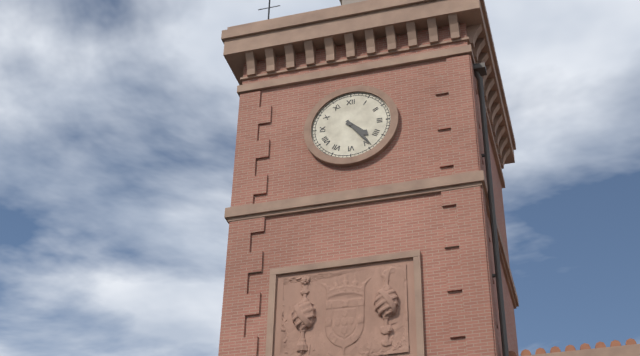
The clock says 4:24
